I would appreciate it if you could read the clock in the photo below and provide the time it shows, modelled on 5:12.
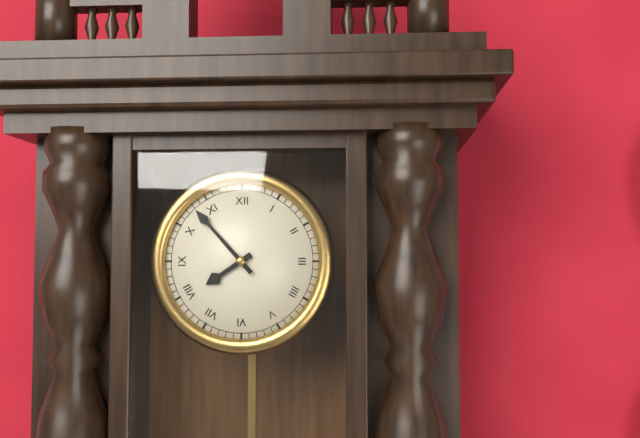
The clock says 7:53
